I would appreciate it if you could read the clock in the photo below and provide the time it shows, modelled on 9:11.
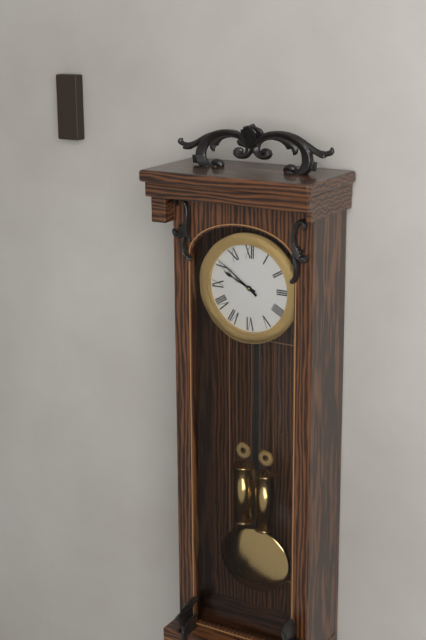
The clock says 9:51
